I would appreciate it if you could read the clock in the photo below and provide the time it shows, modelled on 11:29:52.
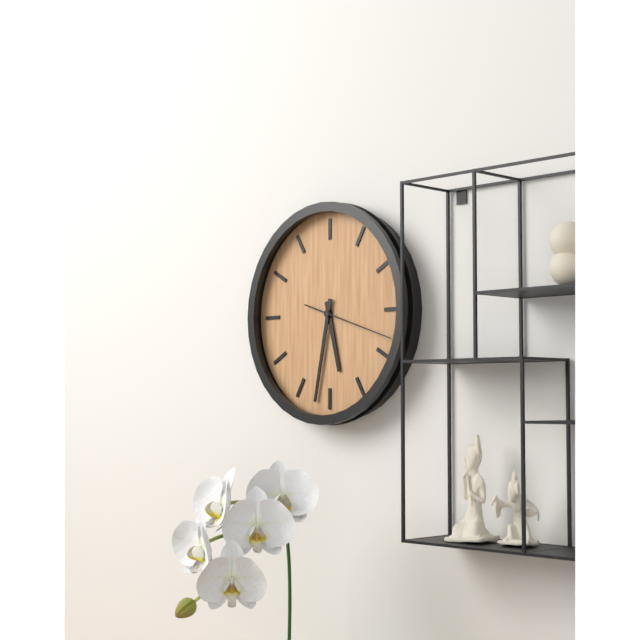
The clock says 5:32:18
